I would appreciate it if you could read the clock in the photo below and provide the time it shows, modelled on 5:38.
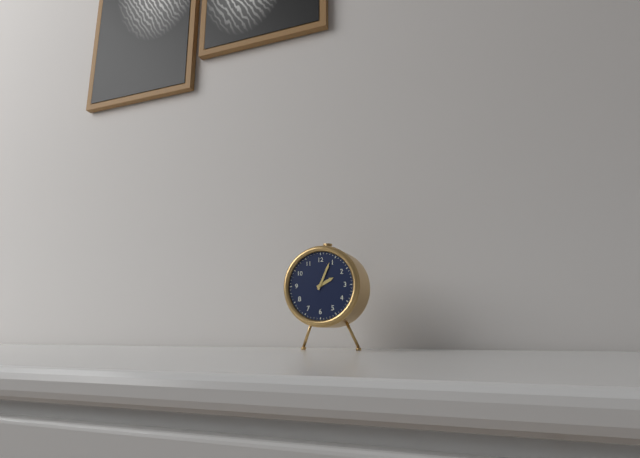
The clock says 2:04
